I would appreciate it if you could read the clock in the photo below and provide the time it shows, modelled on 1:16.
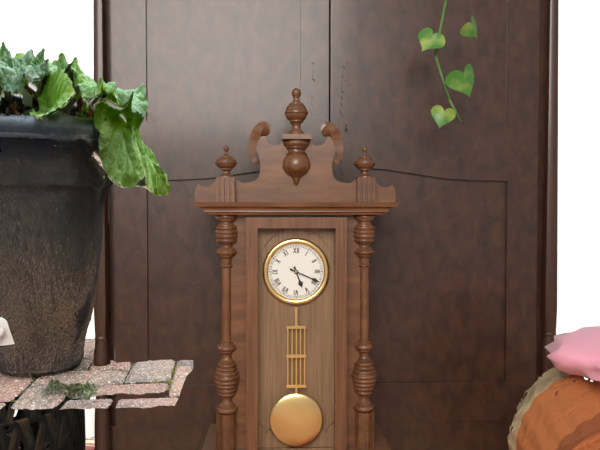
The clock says 5:19
